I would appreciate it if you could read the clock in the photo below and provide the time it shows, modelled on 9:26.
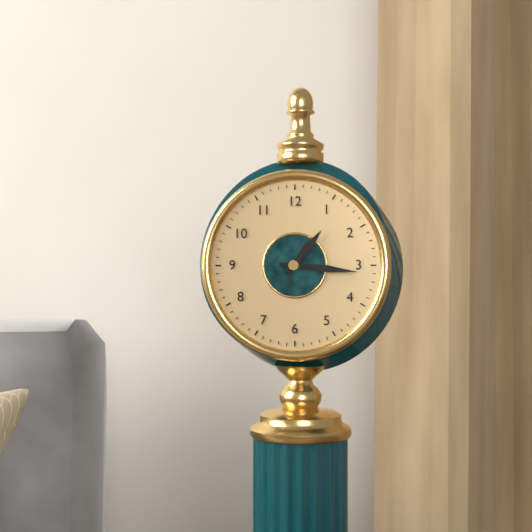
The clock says 1:16
